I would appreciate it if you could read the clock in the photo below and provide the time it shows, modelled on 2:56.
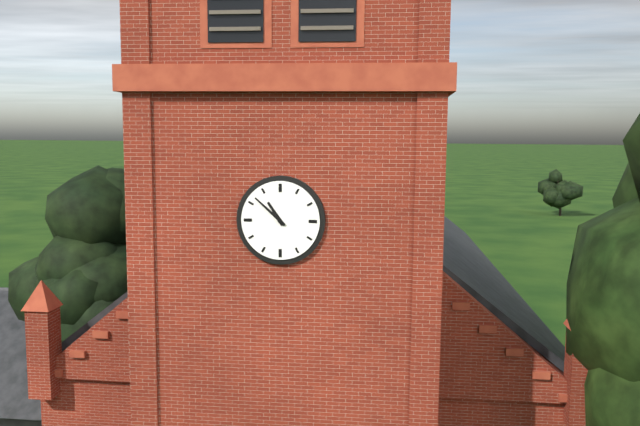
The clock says 10:52
